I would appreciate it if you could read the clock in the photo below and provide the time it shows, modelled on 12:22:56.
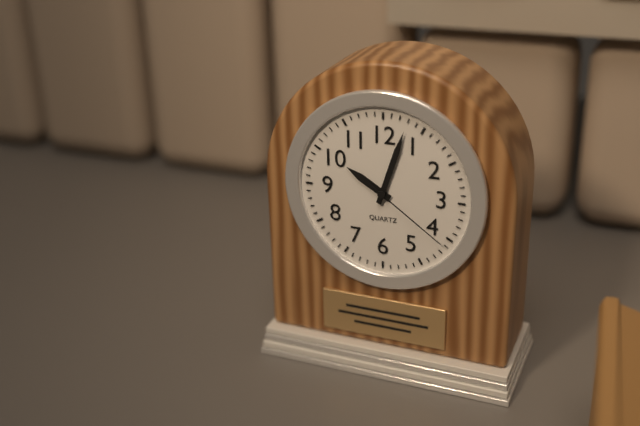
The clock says 10:03:21
